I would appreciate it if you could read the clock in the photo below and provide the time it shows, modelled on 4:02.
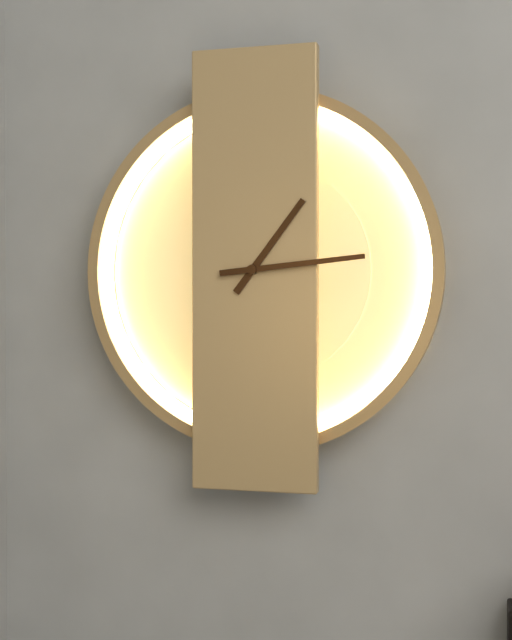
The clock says 1:14
